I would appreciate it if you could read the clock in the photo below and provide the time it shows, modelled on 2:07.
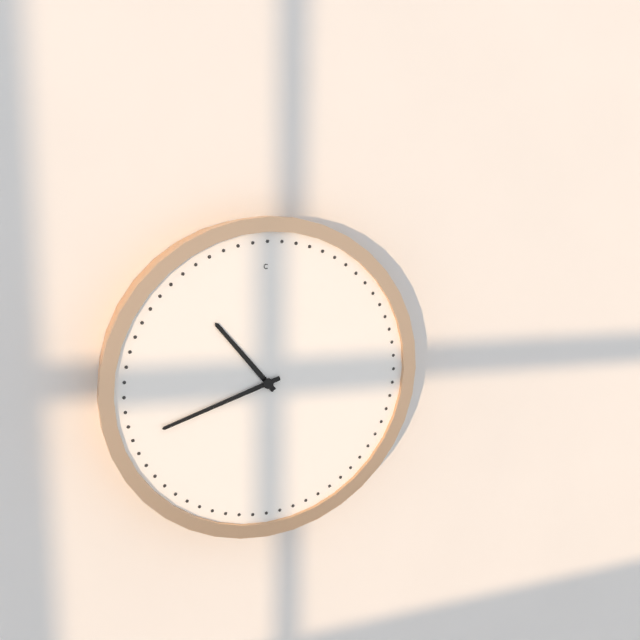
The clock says 10:42
